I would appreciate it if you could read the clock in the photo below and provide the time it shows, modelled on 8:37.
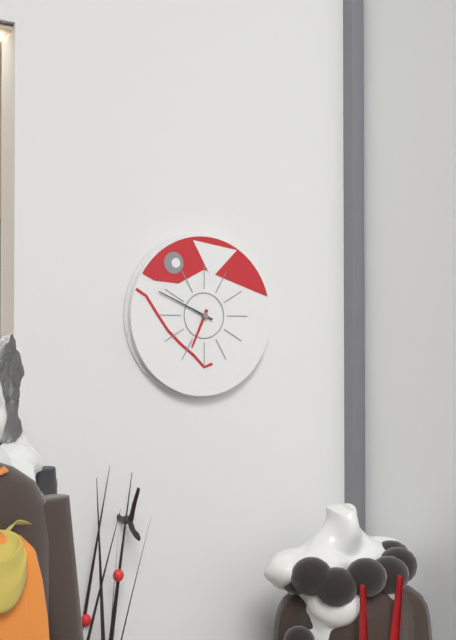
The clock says 6:49
